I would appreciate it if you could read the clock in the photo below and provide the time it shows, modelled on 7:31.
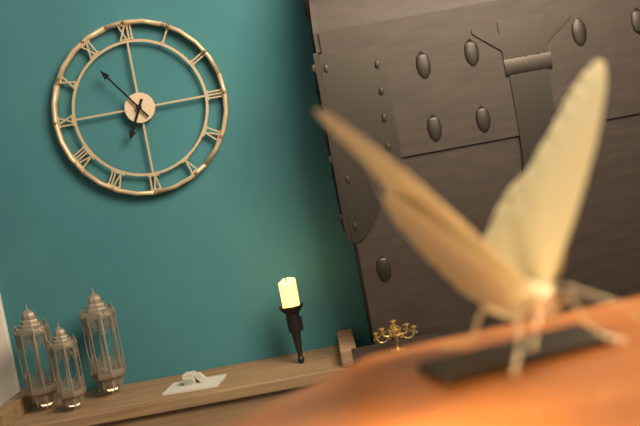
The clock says 6:54
